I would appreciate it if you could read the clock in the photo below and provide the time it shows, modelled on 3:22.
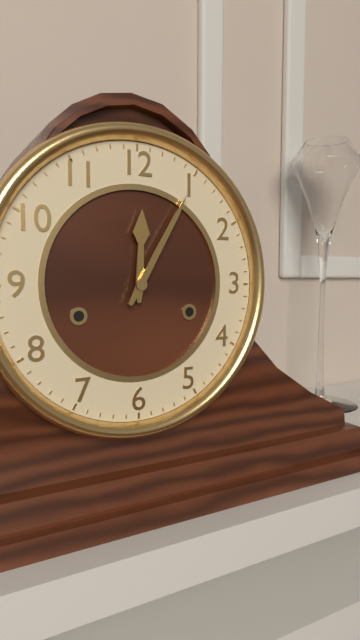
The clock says 12:05
